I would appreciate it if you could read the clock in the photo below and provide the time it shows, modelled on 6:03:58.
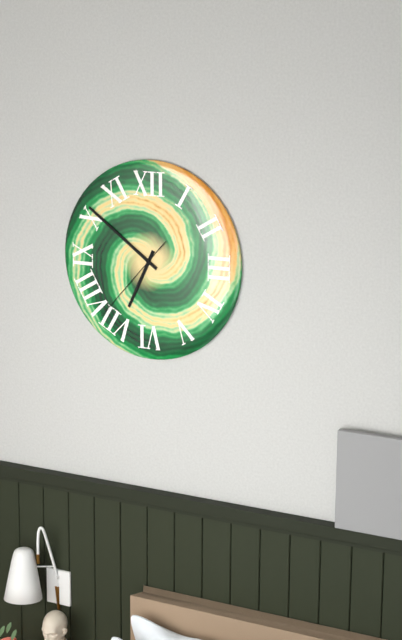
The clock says 6:51:37
